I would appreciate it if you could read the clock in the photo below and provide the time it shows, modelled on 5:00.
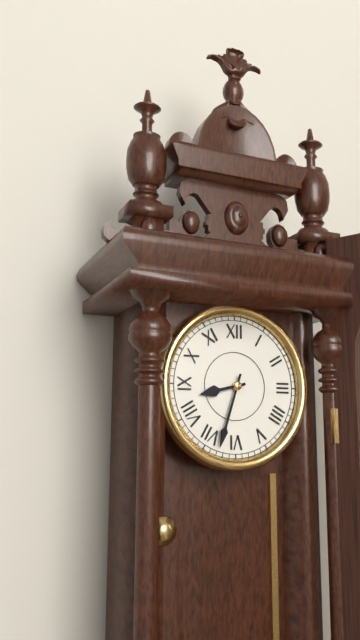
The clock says 8:33
